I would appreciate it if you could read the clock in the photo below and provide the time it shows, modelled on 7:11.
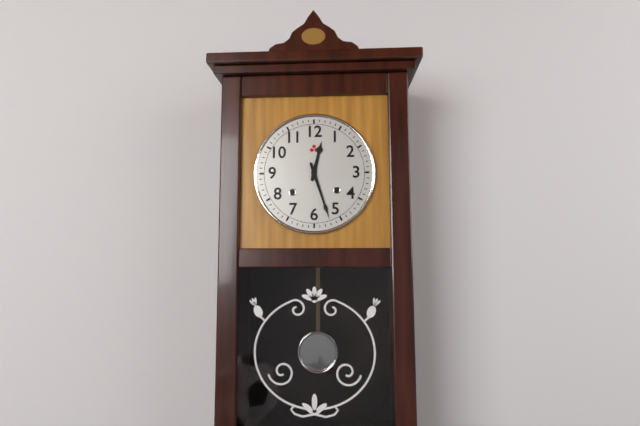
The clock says 12:27
